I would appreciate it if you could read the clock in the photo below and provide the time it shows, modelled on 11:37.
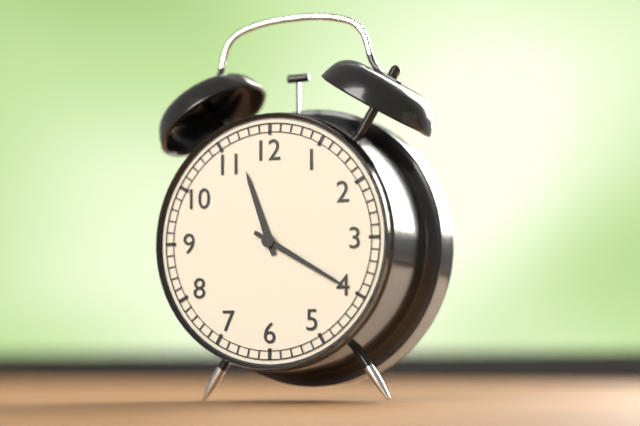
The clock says 11:20
